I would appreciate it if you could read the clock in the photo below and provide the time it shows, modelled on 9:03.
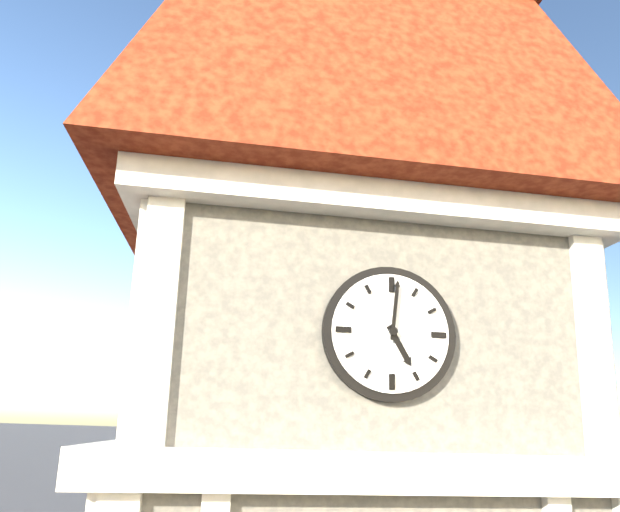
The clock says 5:01
